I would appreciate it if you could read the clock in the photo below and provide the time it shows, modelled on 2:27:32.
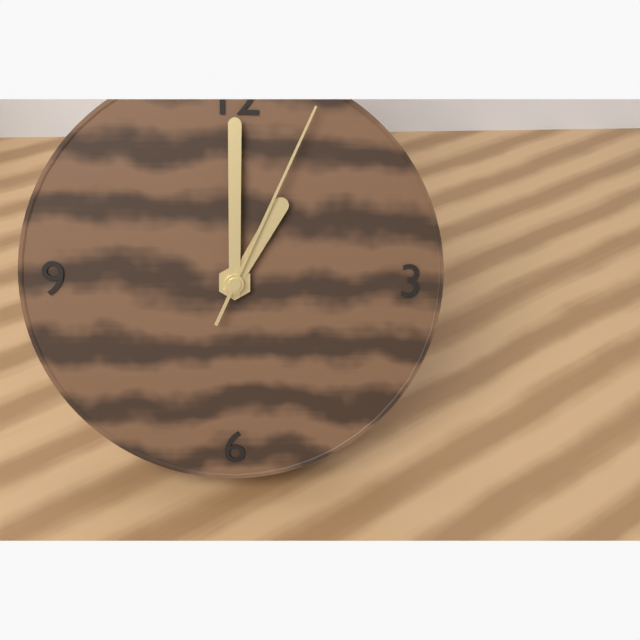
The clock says 1:00:04
